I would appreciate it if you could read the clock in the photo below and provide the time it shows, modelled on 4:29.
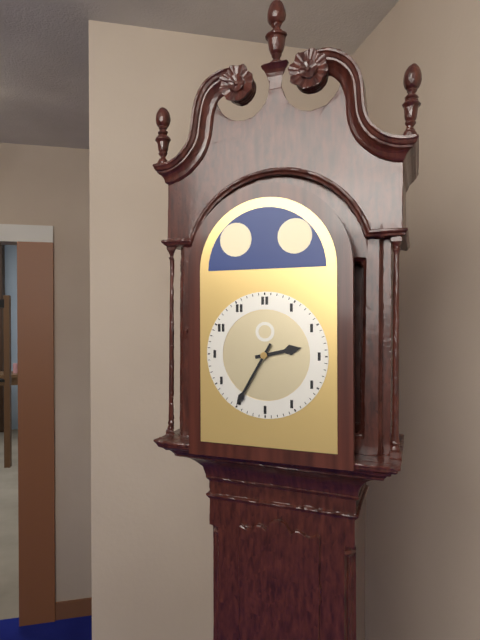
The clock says 2:35
